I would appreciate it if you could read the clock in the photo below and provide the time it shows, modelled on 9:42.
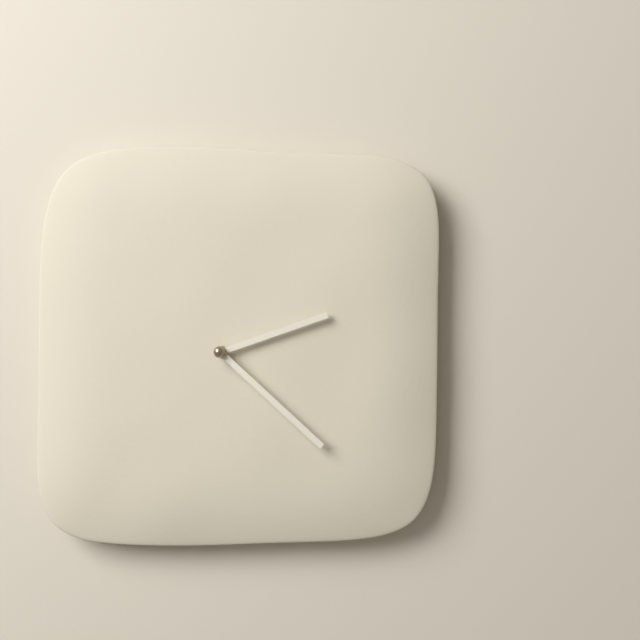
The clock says 2:22
